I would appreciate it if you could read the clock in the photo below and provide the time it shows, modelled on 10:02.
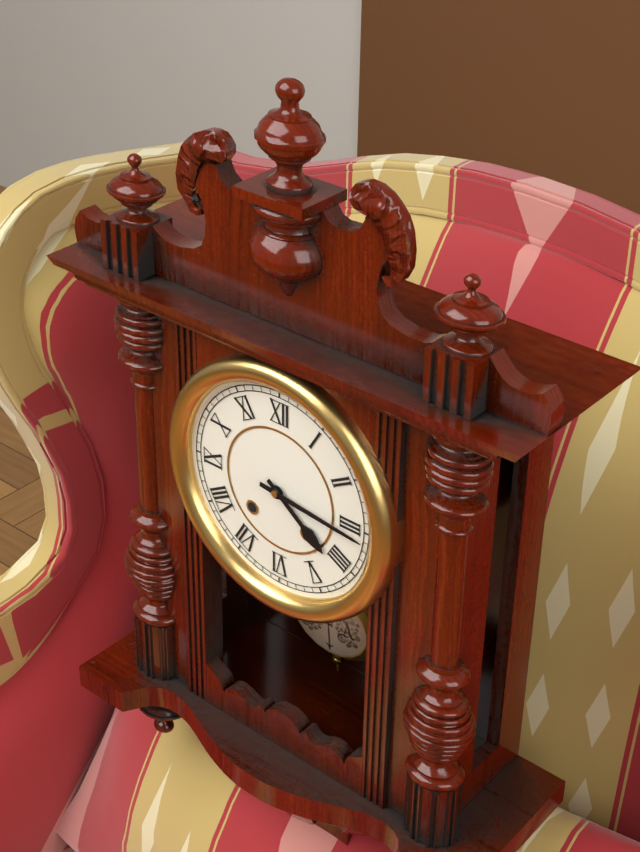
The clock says 4:16
